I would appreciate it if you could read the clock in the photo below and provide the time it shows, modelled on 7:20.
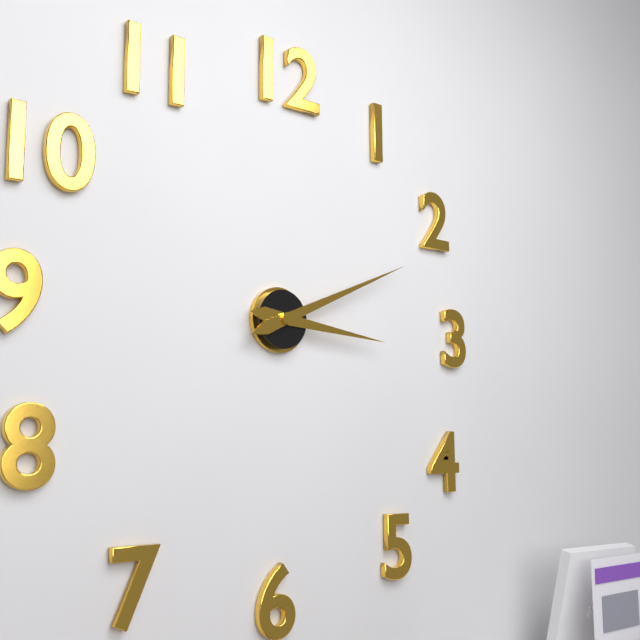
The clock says 3:11
